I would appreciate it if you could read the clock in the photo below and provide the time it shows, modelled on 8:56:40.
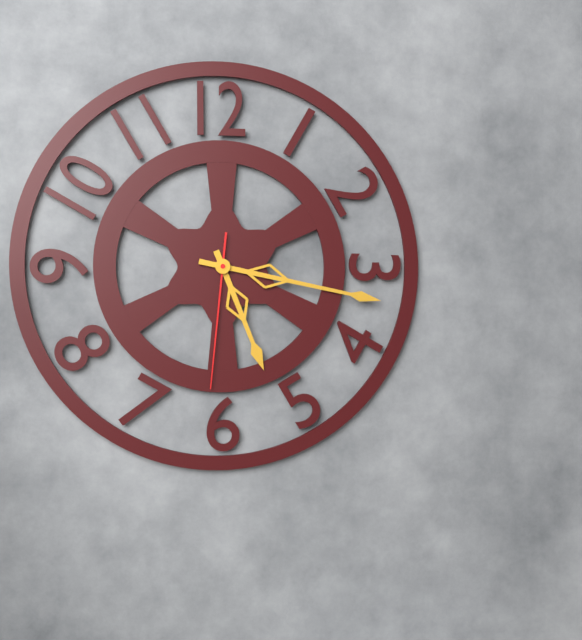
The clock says 5:17:31
